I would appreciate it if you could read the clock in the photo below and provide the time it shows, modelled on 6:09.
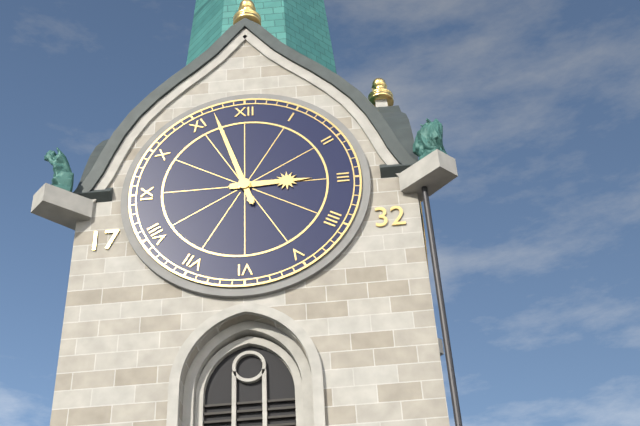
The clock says 2:57
